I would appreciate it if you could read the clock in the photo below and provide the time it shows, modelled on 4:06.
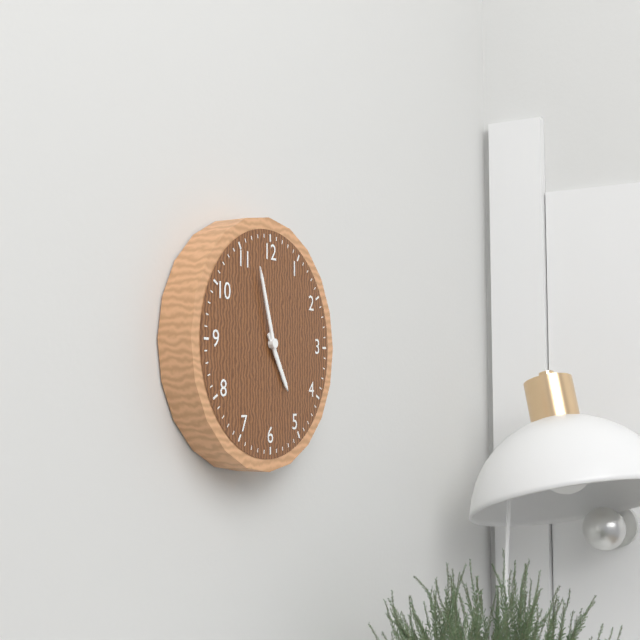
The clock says 4:57
